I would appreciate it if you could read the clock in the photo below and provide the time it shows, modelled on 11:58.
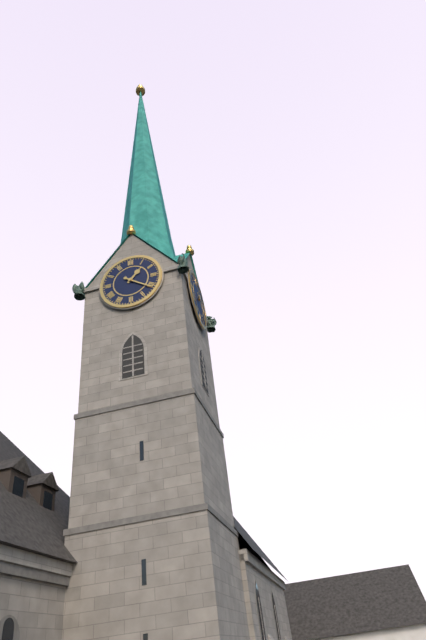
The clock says 1:21
